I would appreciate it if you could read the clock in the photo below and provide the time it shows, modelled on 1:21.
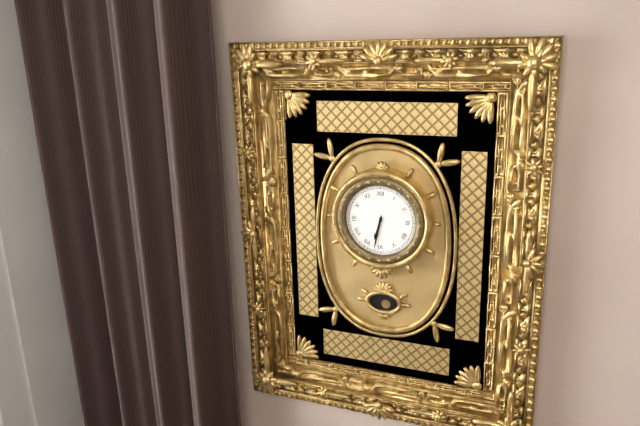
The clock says 6:32
